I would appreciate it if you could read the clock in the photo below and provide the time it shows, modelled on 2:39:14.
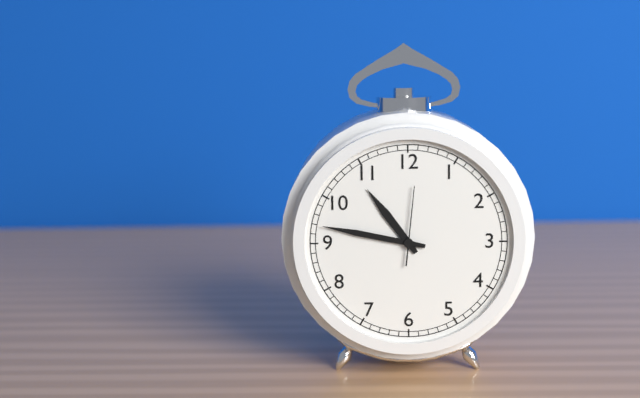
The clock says 10:47:01
